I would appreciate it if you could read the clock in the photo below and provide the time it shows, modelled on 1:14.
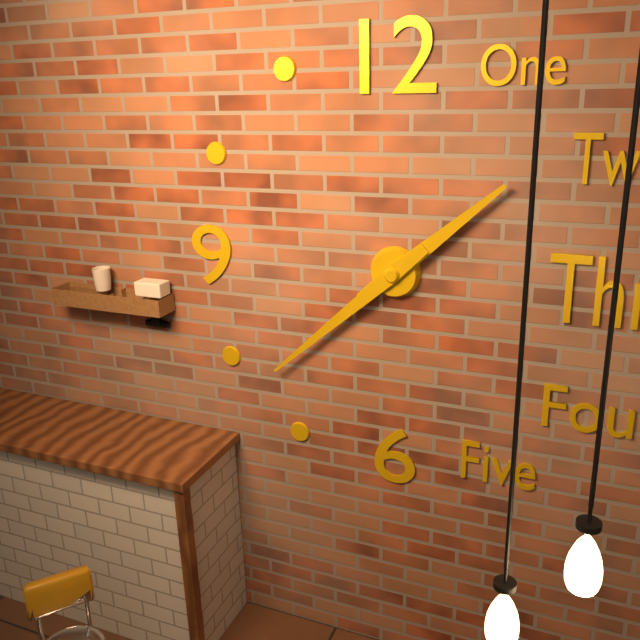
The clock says 1:38
